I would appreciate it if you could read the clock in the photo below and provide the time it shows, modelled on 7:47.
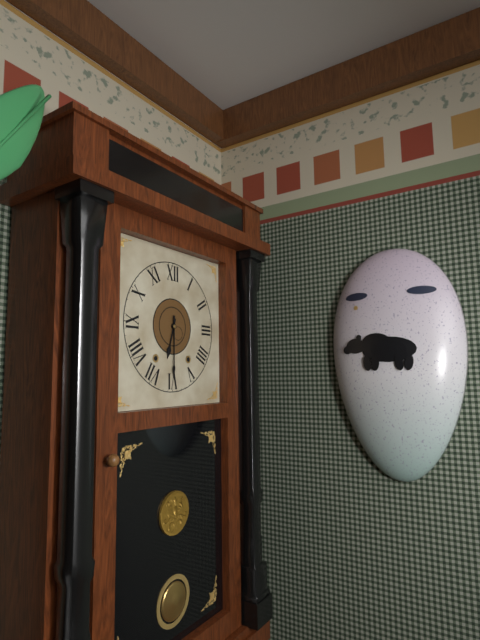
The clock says 6:30
